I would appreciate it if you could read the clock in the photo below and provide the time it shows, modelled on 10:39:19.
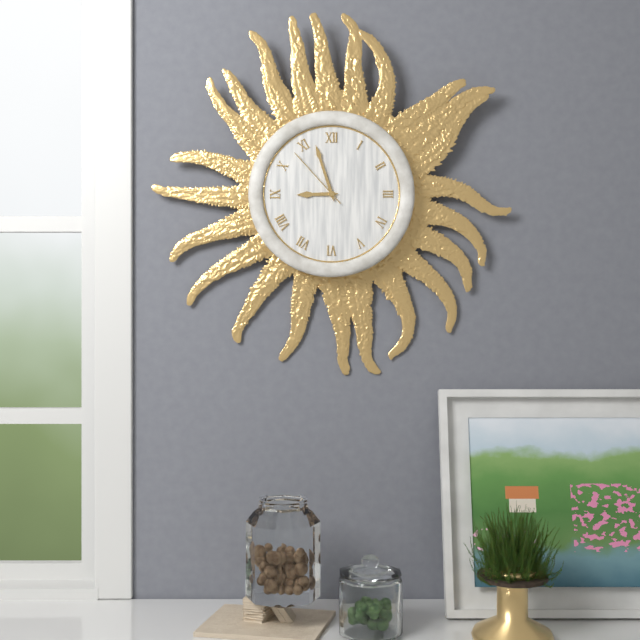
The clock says 8:57:53
